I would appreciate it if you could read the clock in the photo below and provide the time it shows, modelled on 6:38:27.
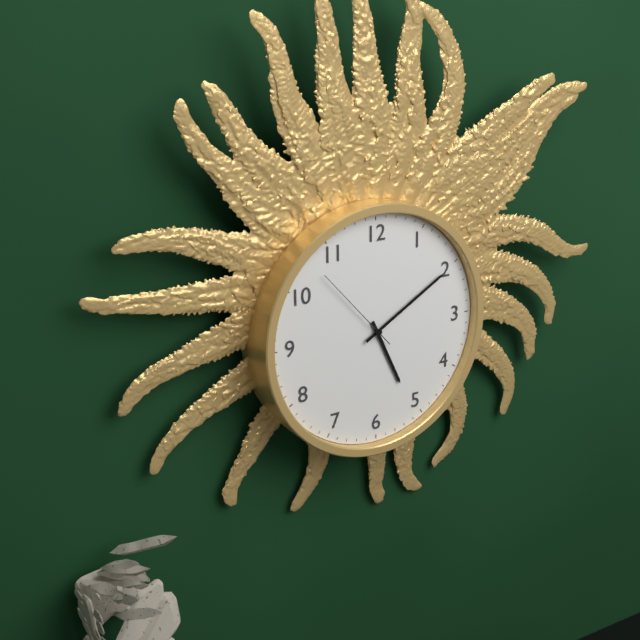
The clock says 5:10:53
